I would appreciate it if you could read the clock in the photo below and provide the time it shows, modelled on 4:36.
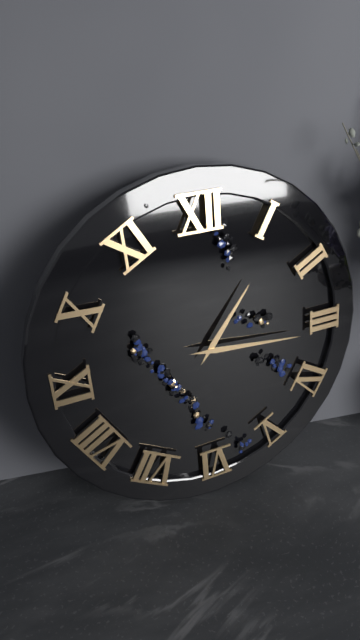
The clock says 1:16
